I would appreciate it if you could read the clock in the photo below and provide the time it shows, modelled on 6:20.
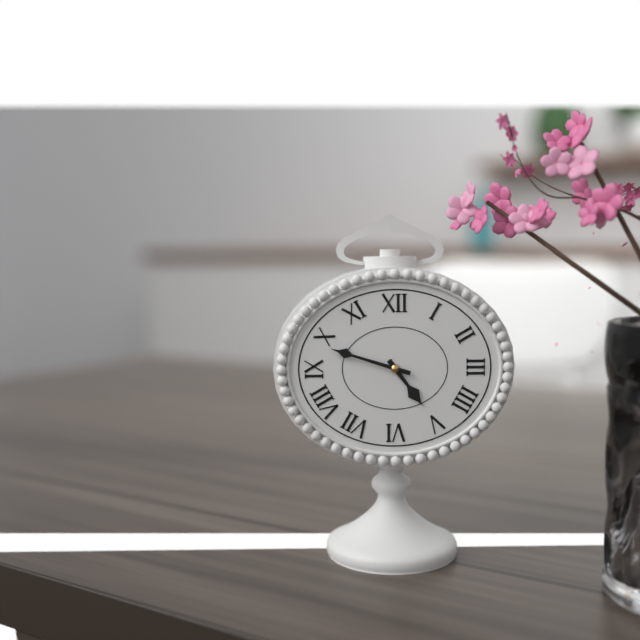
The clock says 4:48
